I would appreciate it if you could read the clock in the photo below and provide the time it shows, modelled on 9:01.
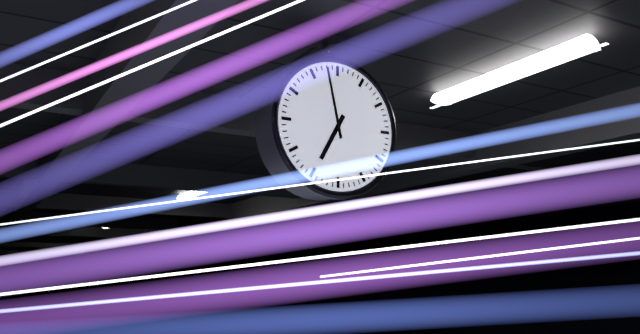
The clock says 6:58
